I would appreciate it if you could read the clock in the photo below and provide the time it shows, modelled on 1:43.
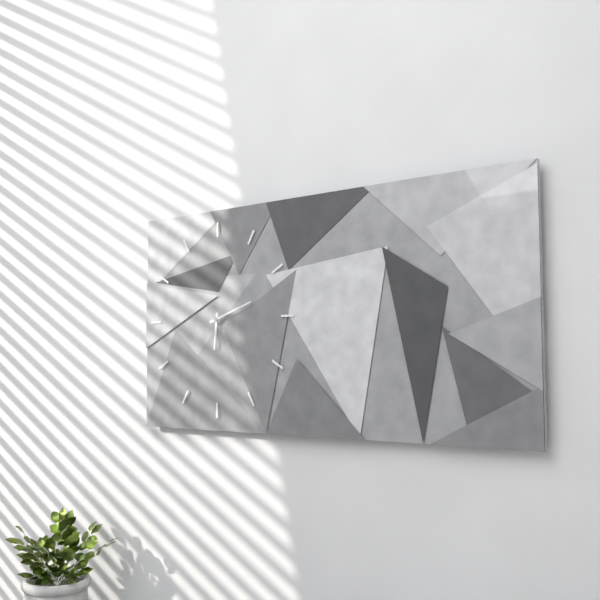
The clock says 6:12
